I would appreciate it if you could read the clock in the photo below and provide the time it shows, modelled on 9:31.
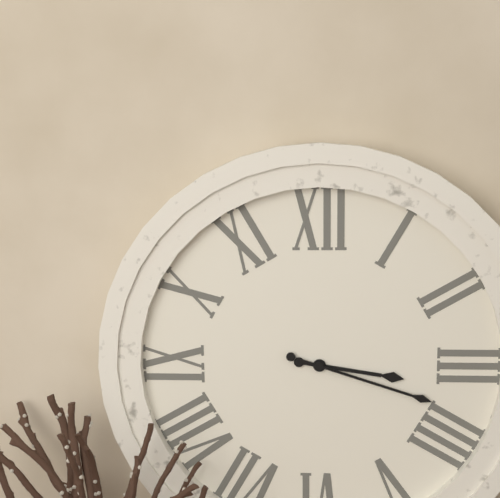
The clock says 3:18
